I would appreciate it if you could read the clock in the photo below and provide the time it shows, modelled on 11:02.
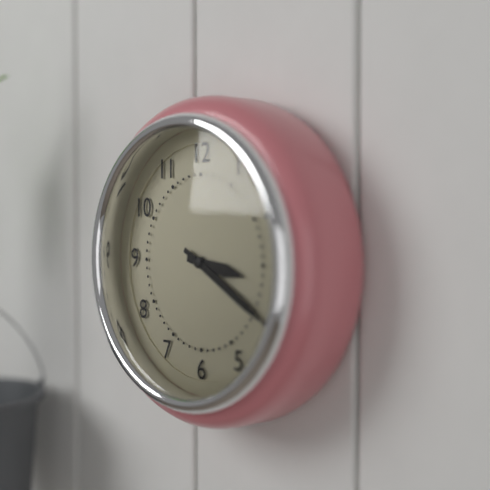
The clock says 3:20
